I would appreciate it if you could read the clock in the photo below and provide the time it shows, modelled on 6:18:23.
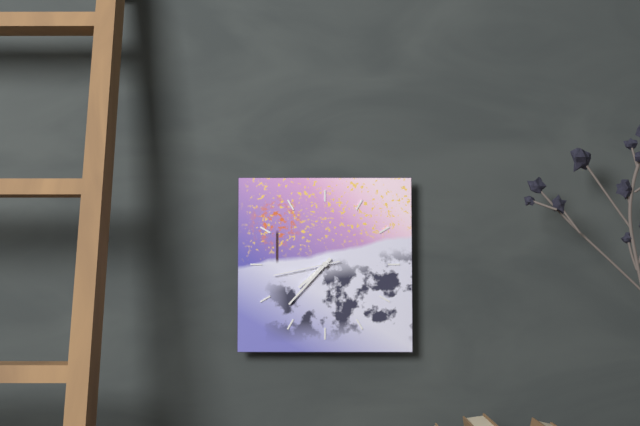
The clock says 7:37:43
